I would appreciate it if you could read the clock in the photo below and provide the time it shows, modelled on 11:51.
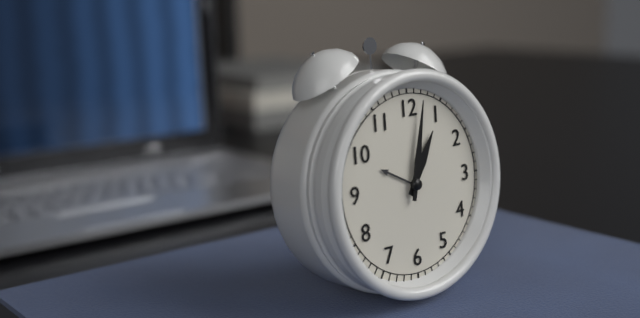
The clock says 1:02
